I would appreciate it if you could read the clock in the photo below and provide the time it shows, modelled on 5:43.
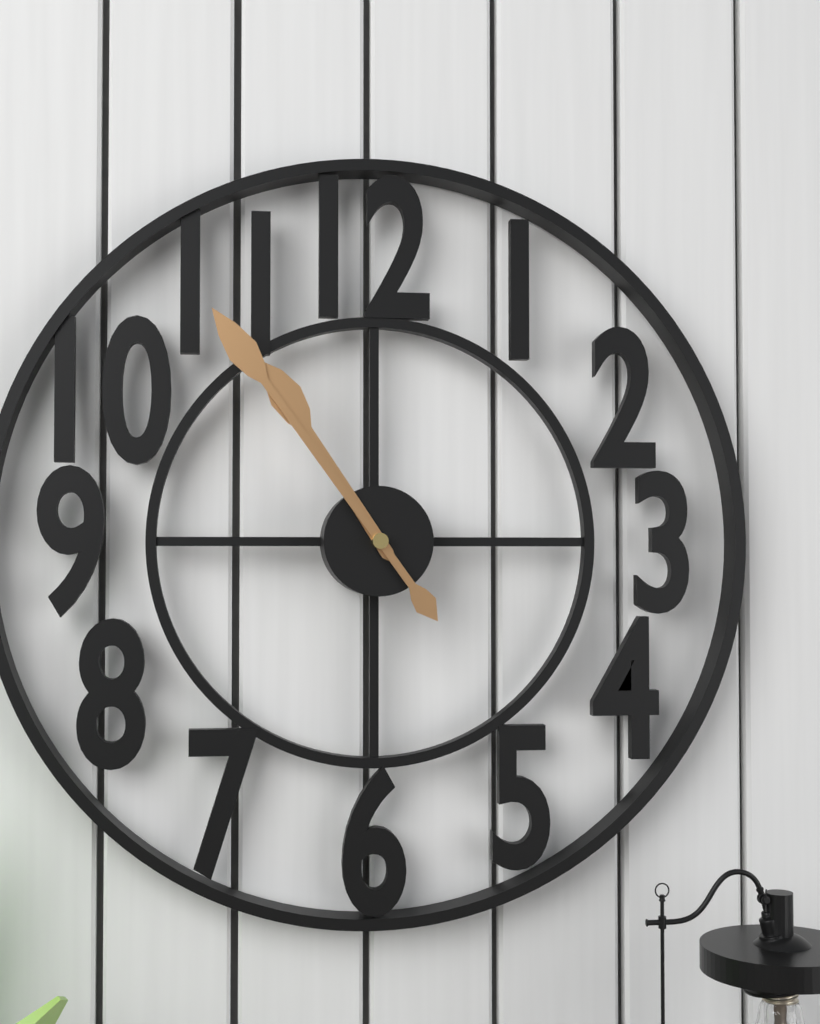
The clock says 10:54
